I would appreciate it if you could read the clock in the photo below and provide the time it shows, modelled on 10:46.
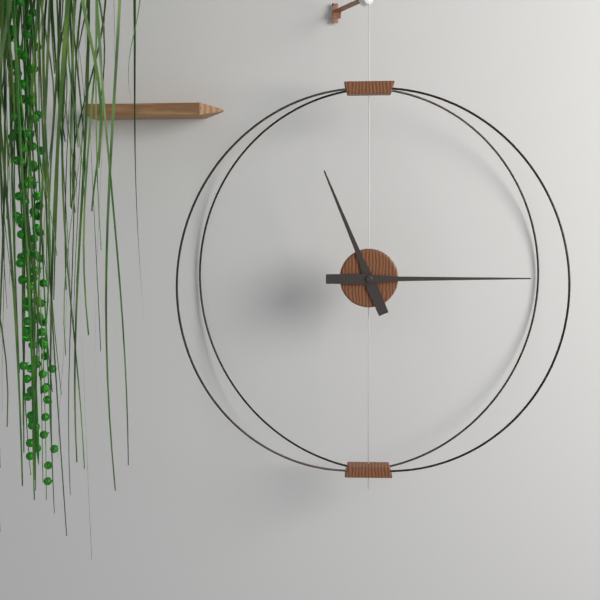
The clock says 11:15
